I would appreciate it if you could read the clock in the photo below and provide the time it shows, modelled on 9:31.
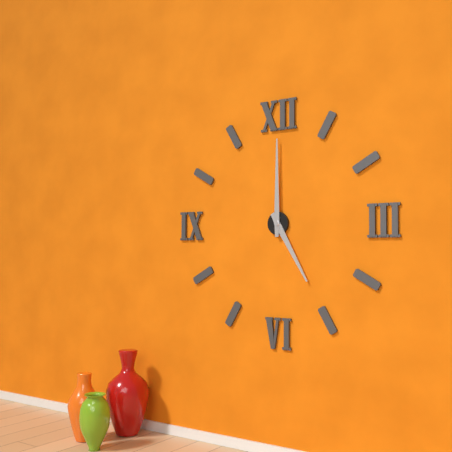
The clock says 5:00
